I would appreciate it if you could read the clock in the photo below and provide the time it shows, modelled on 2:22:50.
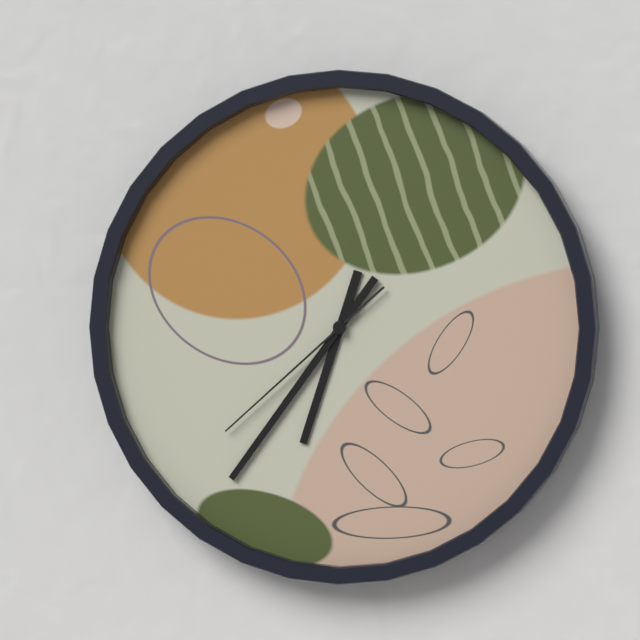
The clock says 6:36:38
